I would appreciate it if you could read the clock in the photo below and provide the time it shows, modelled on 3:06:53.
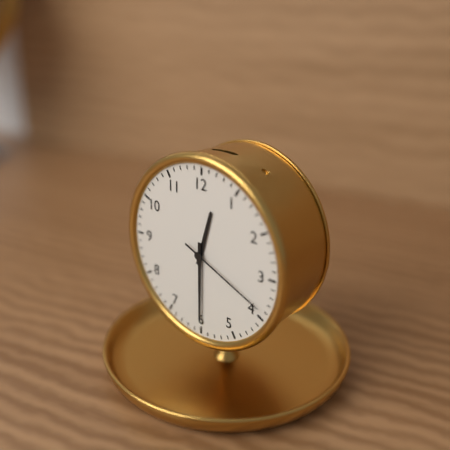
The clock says 12:30:19
